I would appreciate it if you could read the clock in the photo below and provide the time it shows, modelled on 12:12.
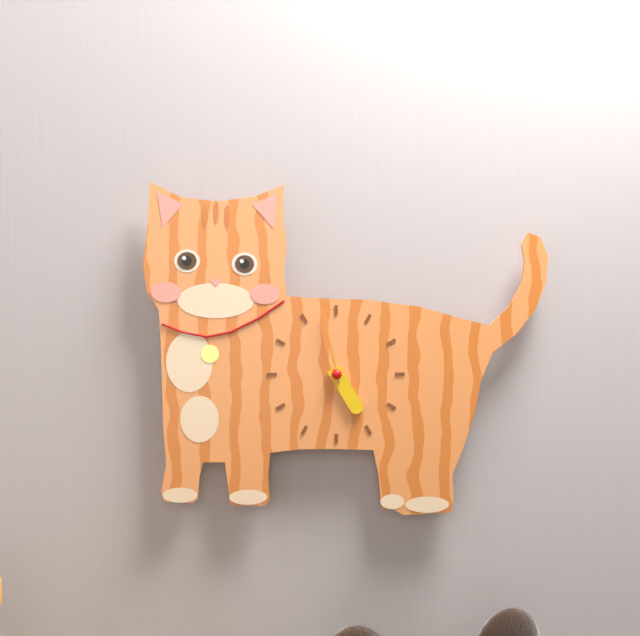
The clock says 4:58
